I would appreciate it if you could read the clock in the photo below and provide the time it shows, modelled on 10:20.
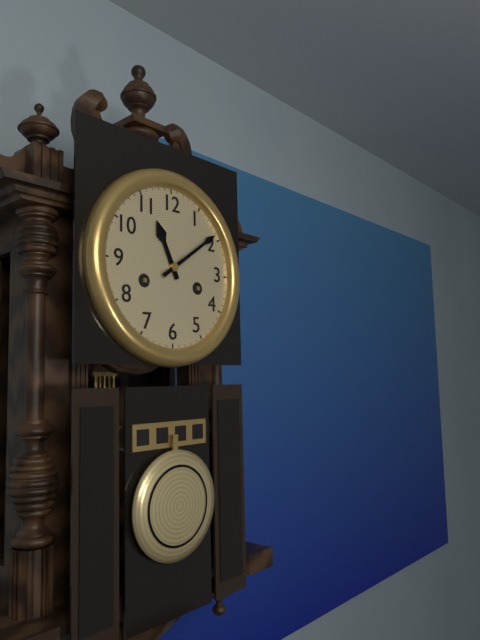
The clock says 11:09
